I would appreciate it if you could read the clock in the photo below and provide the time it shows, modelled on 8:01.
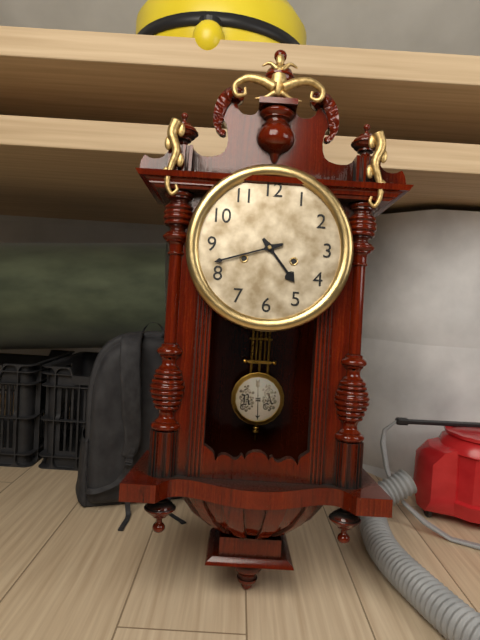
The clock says 4:42
